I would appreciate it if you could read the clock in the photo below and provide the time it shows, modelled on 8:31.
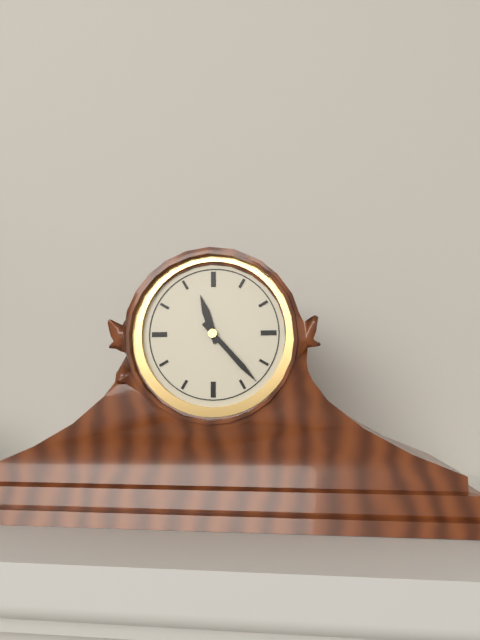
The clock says 11:23
